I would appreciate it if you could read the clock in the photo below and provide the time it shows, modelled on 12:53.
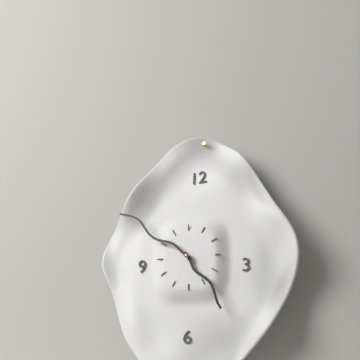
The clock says 4:51
